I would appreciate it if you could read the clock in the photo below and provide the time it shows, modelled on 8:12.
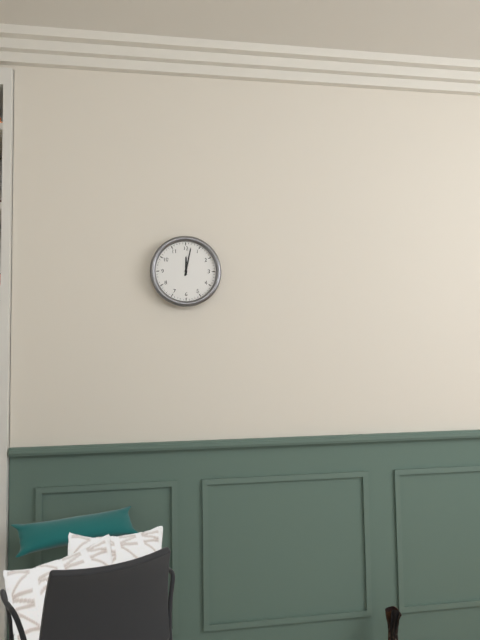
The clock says 12:02
